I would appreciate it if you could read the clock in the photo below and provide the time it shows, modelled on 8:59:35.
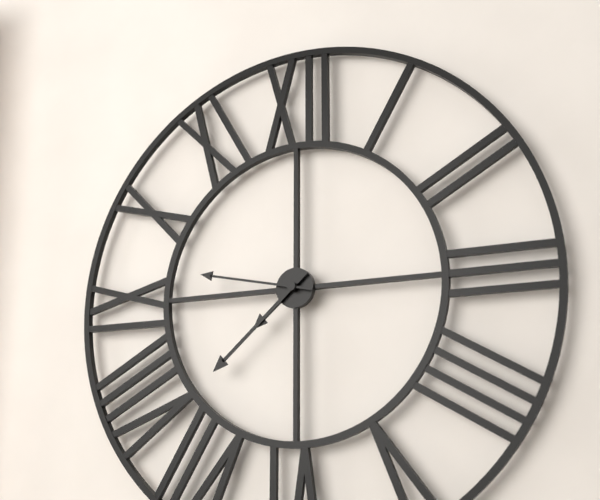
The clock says 7:38:47
